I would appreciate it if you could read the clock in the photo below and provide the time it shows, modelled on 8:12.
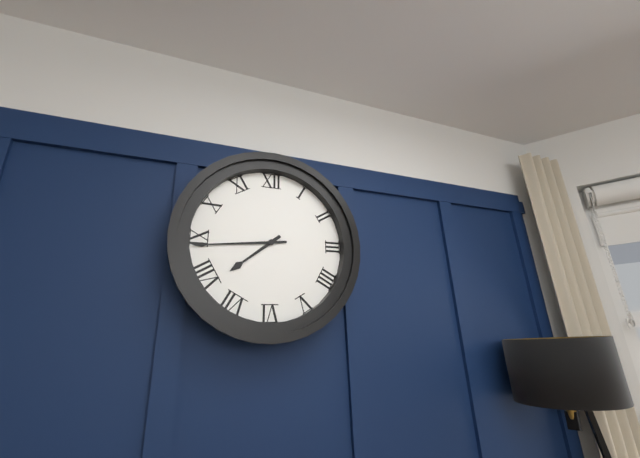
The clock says 7:44
